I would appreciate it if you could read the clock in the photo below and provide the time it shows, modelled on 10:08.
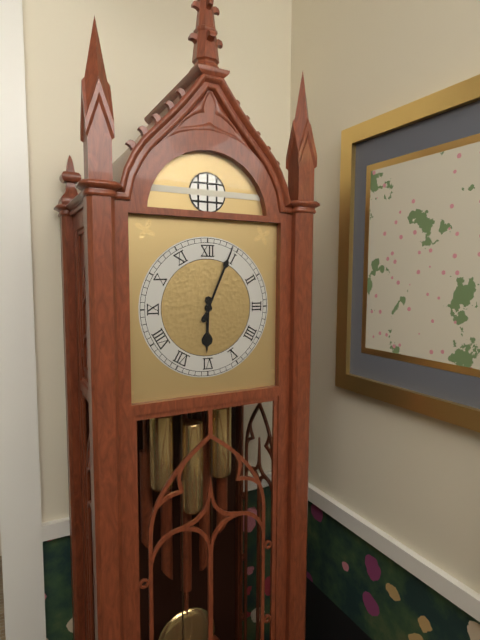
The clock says 6:04
